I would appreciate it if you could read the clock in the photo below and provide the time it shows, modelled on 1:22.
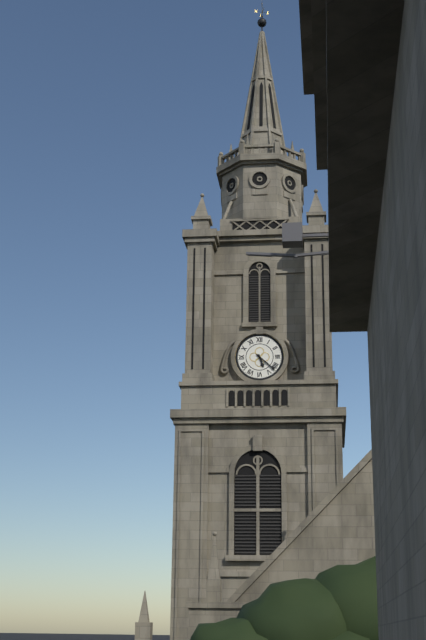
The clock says 5:22
